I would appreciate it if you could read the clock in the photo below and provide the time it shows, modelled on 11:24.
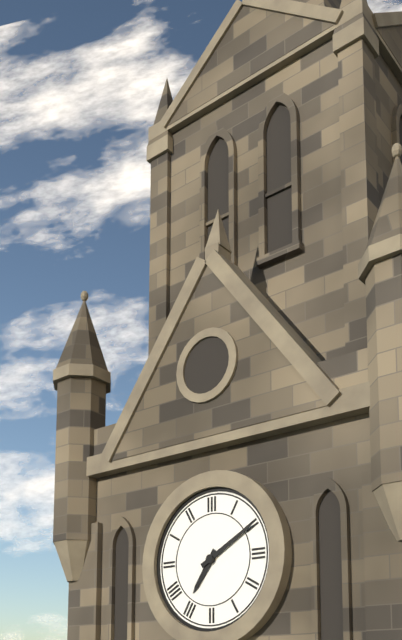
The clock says 7:10
